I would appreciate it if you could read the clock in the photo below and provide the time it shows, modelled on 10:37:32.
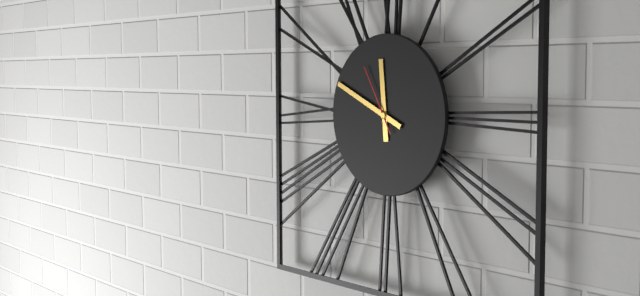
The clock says 11:49:55
